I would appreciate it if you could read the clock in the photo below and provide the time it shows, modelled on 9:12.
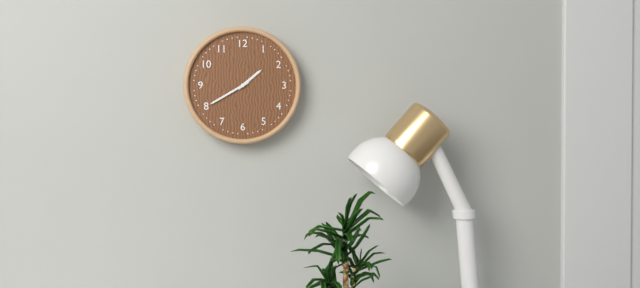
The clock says 1:40
